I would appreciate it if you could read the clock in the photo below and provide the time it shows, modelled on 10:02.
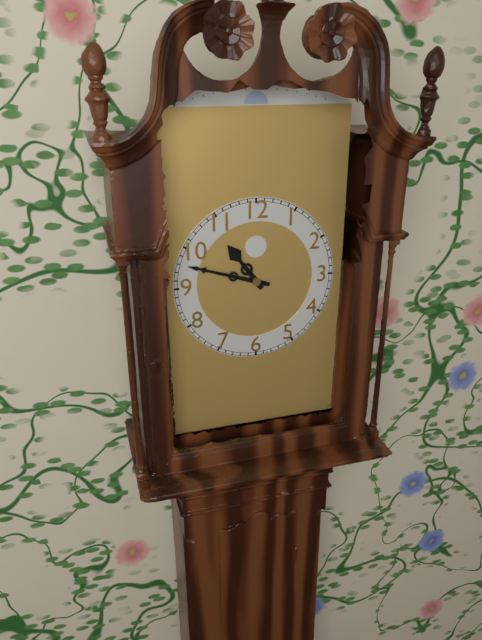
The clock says 10:48
